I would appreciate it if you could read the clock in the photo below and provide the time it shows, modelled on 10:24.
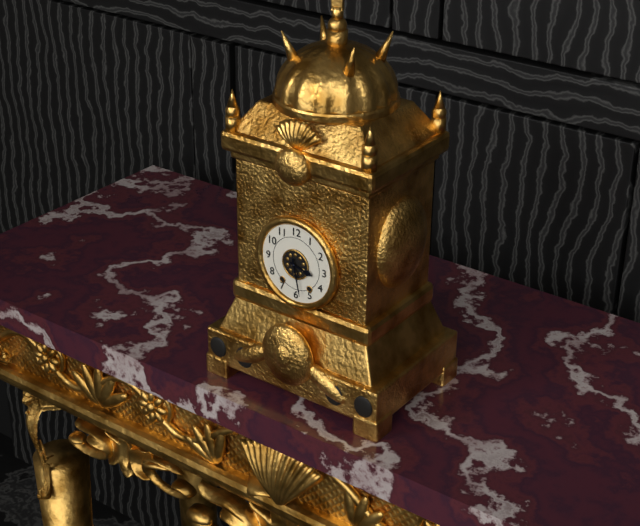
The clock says 3:28
